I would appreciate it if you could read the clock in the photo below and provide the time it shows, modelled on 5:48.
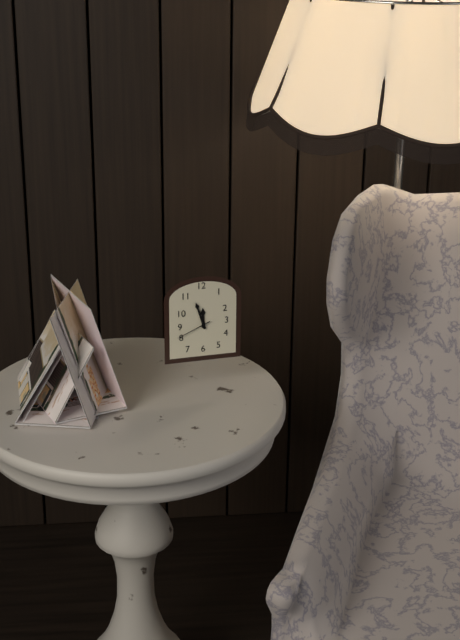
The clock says 11:57
